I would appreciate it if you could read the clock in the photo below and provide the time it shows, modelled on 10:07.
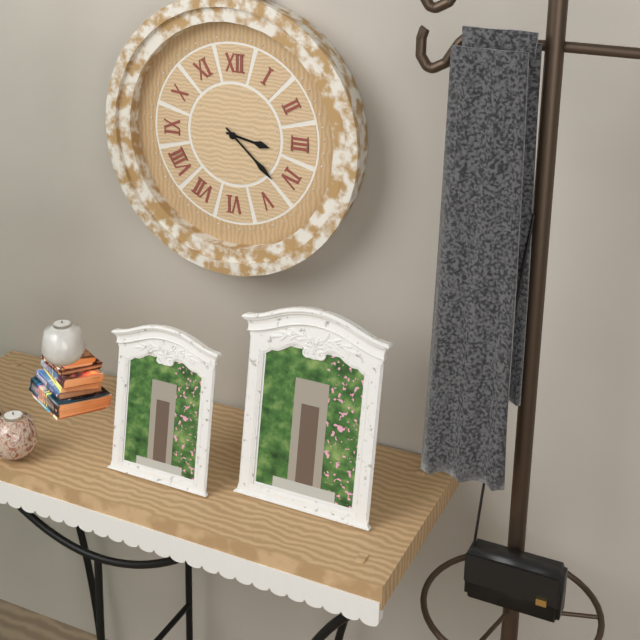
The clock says 3:22
